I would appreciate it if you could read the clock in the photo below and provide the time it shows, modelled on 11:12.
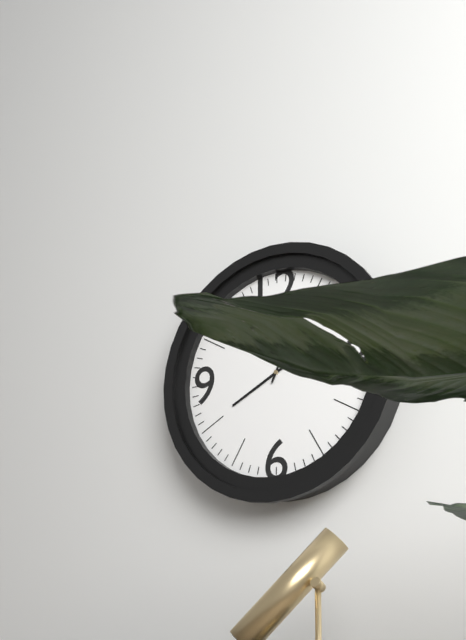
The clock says 8:04
